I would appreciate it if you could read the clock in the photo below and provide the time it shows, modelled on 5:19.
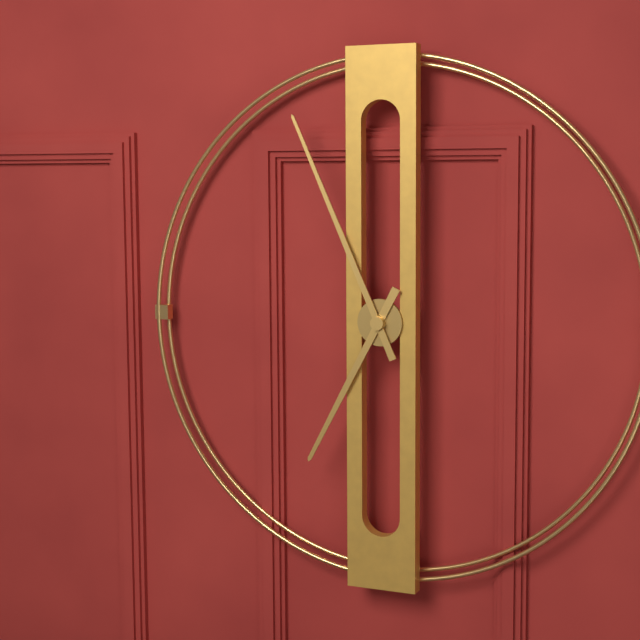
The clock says 6:56
